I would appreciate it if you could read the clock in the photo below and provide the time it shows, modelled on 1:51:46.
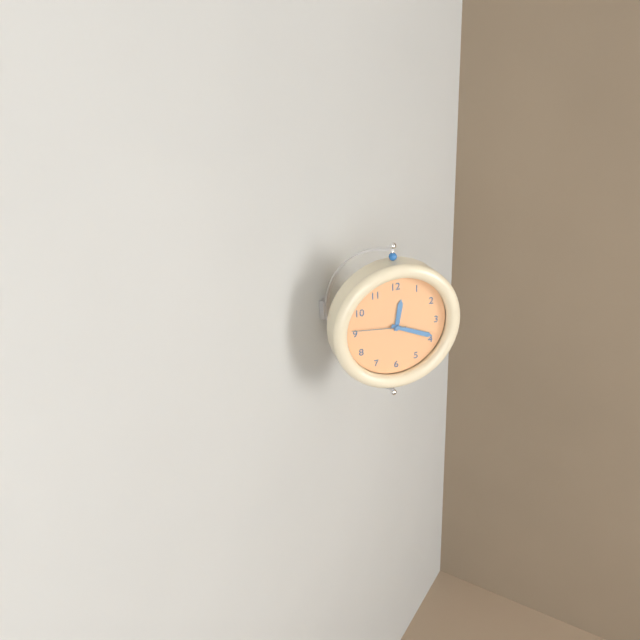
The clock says 12:19:46
